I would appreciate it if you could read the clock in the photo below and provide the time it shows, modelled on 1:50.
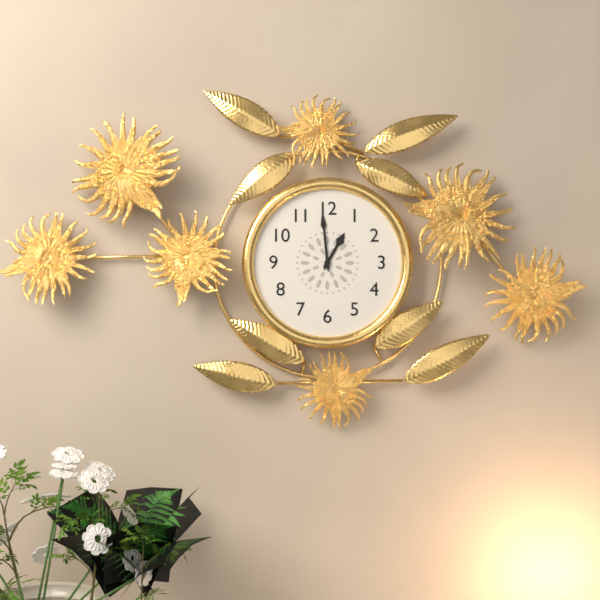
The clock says 12:59
